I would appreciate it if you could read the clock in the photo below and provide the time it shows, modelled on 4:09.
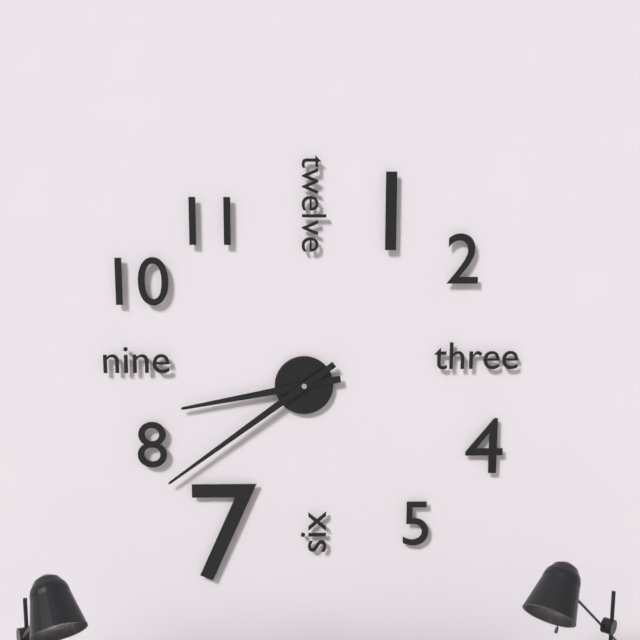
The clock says 8:39
